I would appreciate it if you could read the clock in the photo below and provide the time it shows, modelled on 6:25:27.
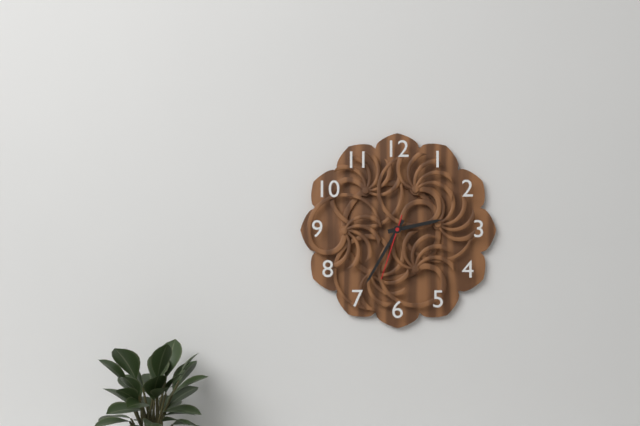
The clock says 2:35:33
